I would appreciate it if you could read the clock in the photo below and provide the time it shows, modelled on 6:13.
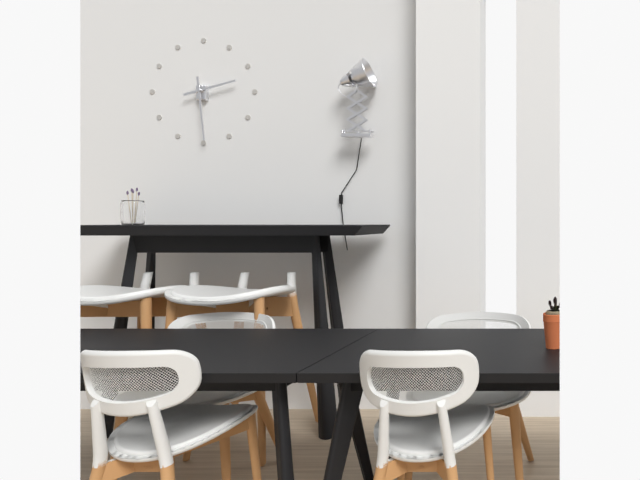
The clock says 2:29
